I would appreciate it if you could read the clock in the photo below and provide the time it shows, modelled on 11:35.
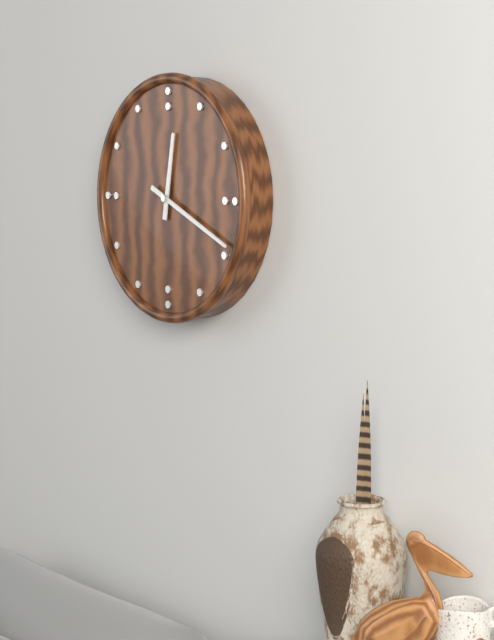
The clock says 12:19
